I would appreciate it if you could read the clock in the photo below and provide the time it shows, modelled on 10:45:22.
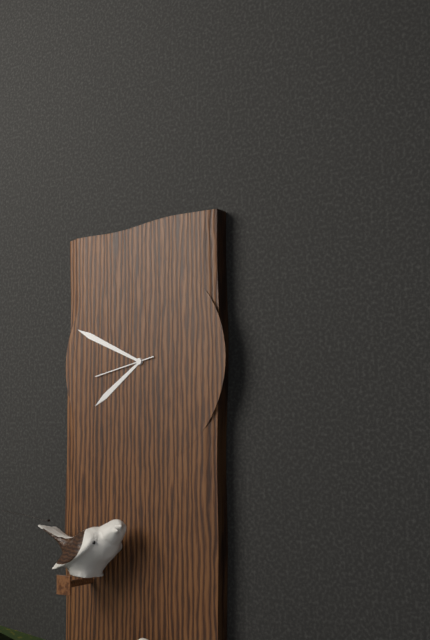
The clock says 7:49:43
